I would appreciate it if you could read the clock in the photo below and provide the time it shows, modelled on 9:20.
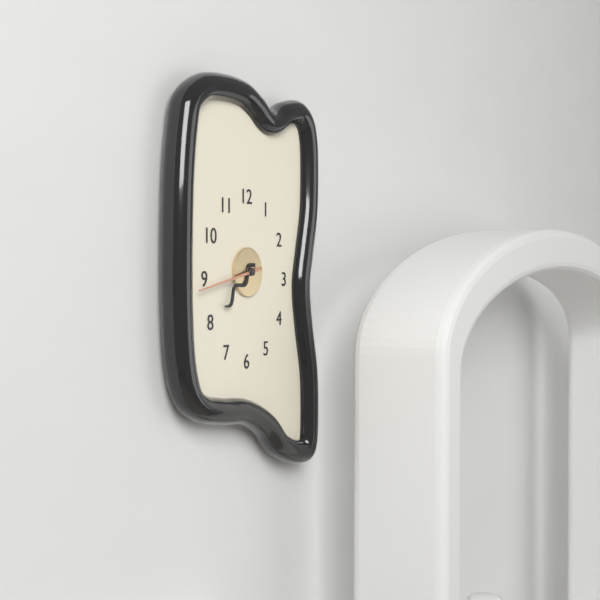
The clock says 7:43
